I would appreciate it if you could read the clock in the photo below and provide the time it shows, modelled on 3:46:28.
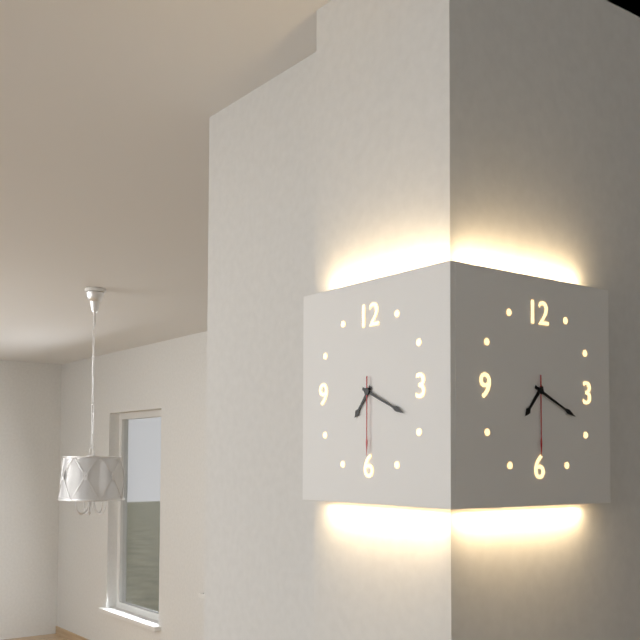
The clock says 7:19:30
